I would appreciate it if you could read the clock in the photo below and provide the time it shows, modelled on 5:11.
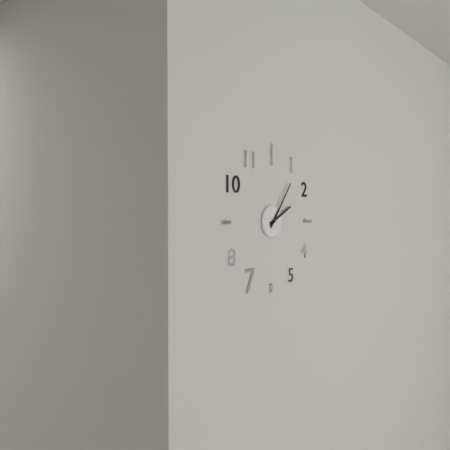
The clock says 2:06
